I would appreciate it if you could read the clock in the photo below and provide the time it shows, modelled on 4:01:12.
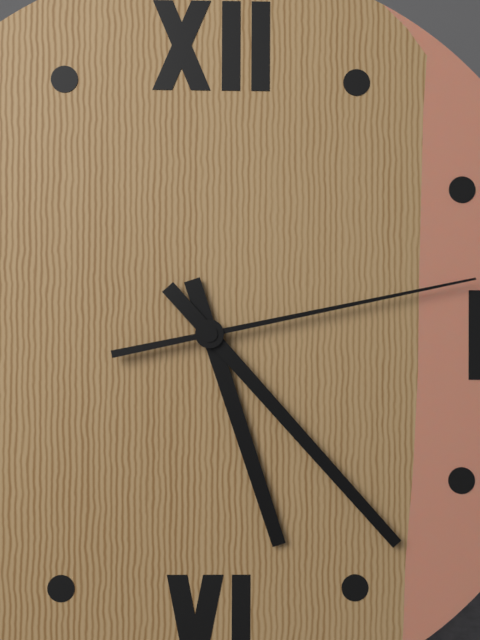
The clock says 5:23:13
